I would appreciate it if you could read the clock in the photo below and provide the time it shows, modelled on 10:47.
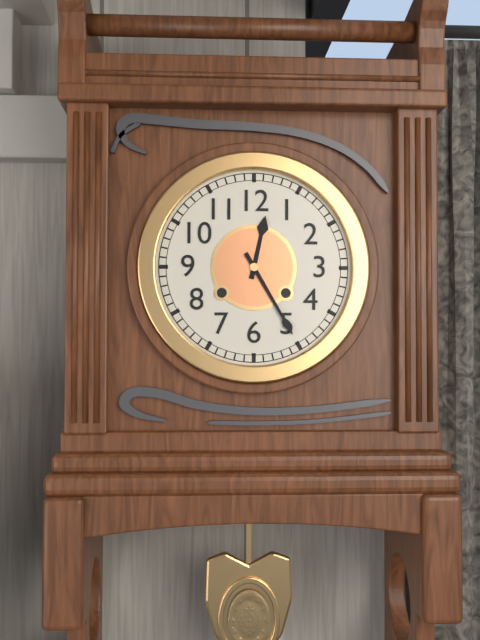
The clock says 12:25
